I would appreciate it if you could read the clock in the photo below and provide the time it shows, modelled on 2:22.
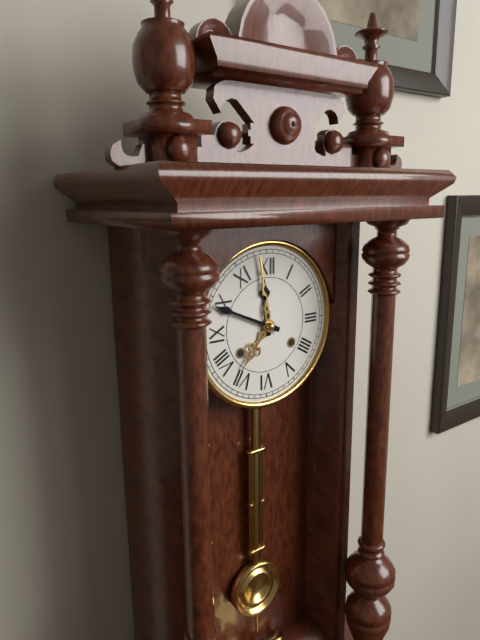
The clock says 11:49
